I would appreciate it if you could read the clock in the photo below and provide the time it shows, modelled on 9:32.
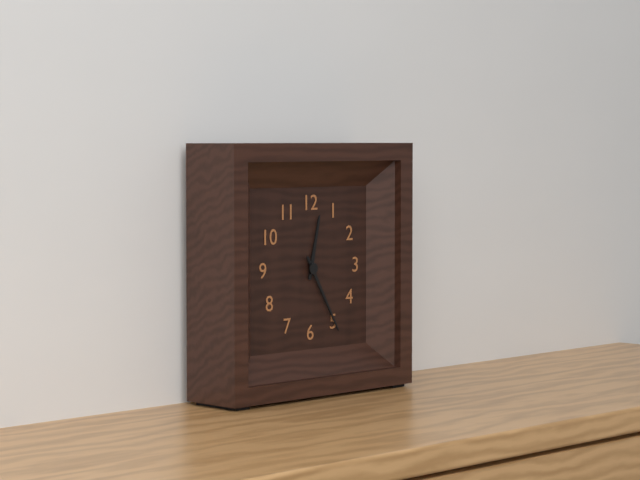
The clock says 12:25
